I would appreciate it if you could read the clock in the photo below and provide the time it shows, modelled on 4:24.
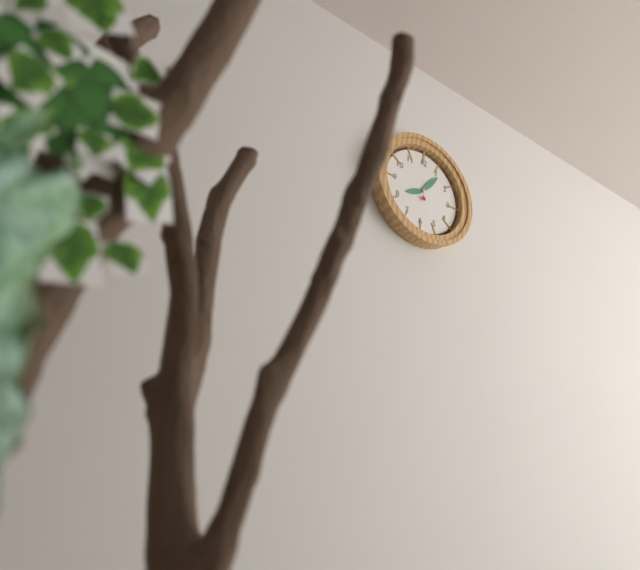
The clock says 8:06
